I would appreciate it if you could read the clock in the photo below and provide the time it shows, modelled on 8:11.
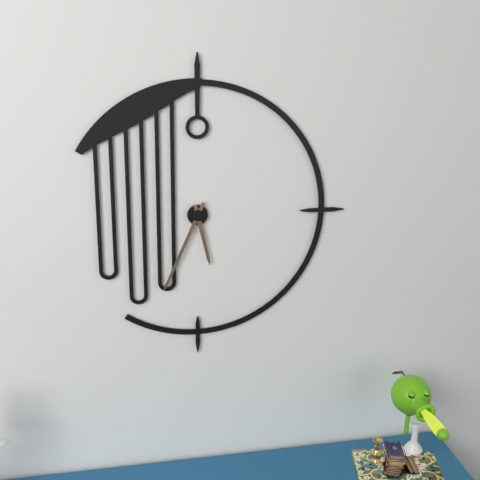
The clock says 5:34
